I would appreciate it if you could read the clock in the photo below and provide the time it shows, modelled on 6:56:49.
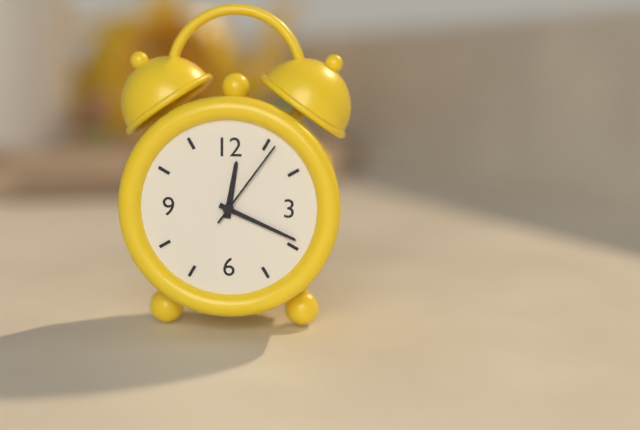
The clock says 12:19:06
